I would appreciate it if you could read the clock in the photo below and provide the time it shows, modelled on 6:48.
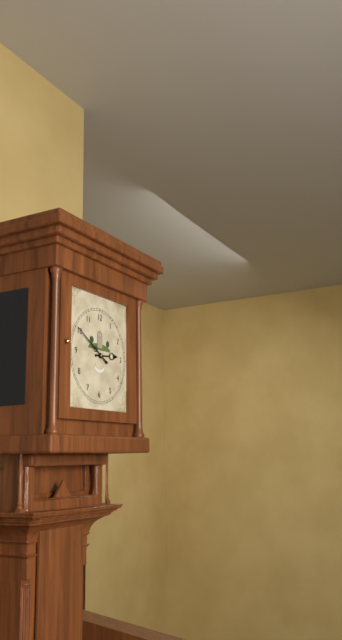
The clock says 2:50
